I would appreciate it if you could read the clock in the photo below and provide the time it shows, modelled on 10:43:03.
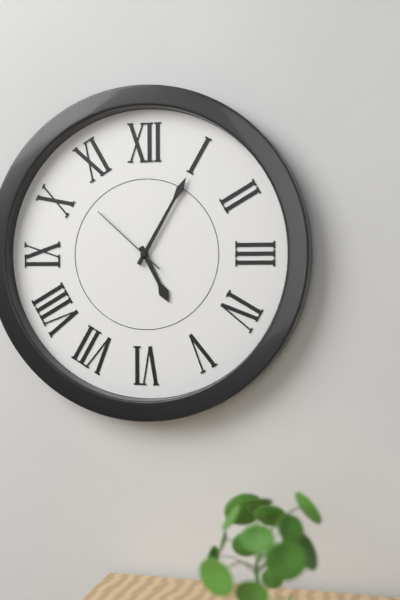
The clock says 5:05:52
